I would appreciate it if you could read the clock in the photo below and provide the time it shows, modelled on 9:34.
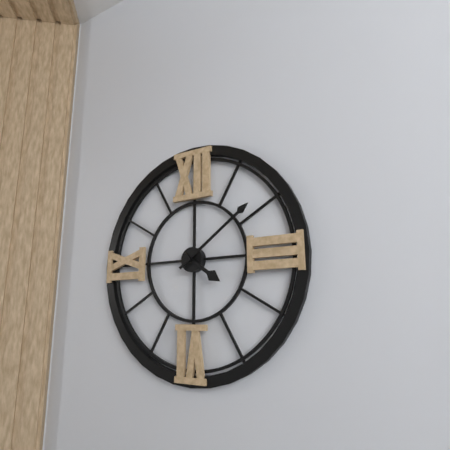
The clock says 4:09
